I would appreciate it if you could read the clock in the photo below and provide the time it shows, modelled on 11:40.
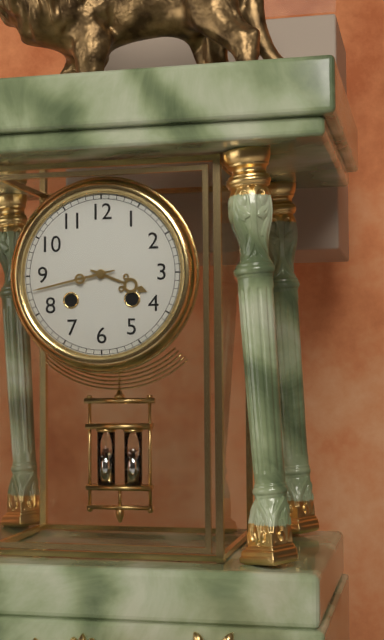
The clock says 3:43
